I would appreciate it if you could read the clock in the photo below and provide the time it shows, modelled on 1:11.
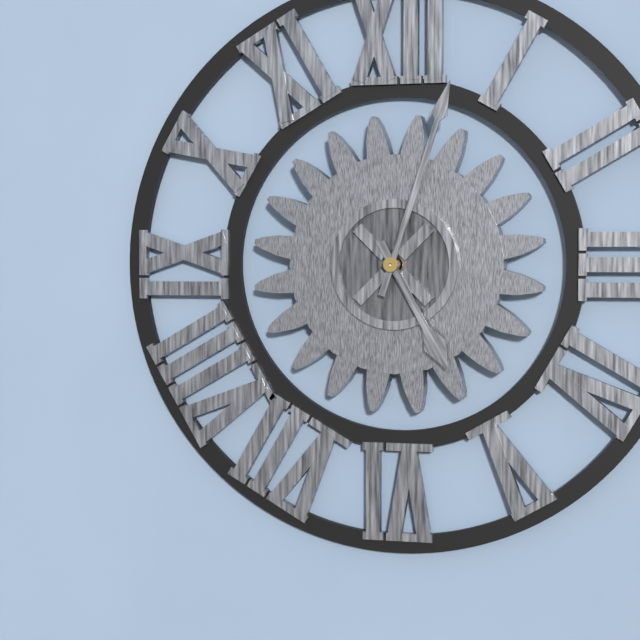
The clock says 5:03
